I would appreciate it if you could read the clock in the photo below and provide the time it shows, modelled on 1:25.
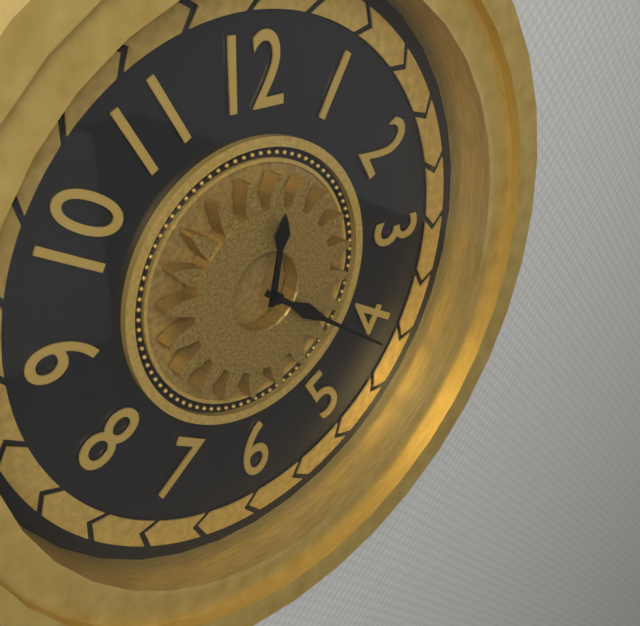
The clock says 12:21
